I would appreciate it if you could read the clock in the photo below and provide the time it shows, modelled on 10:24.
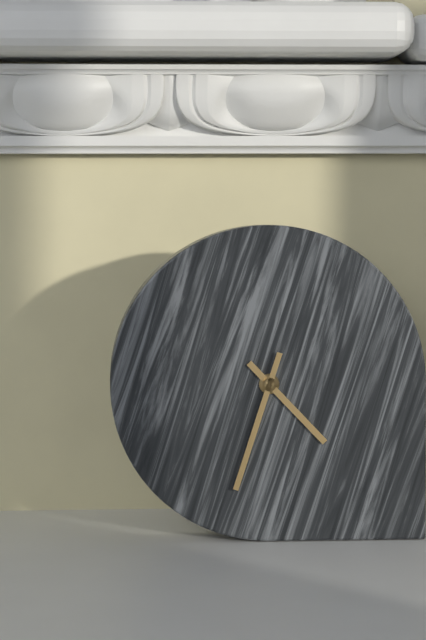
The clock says 4:33
